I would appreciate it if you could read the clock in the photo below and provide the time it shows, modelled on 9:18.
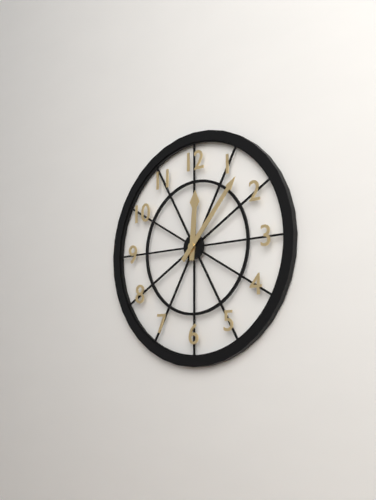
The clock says 12:07
